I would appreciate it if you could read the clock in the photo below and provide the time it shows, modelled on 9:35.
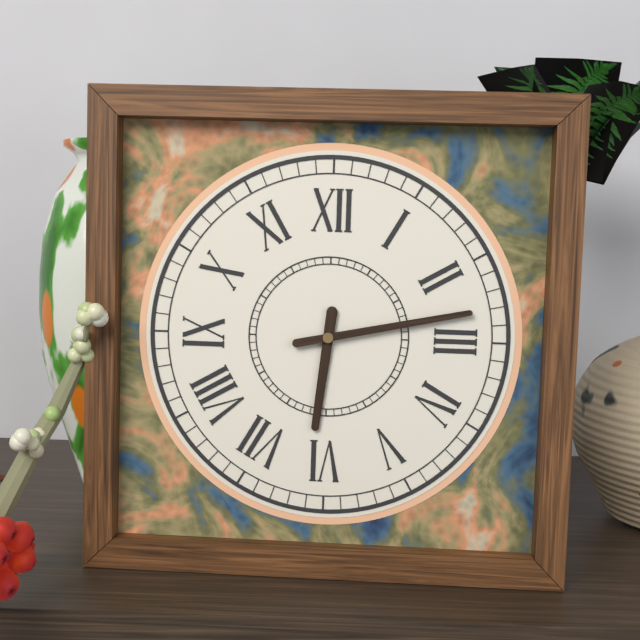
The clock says 6:13
